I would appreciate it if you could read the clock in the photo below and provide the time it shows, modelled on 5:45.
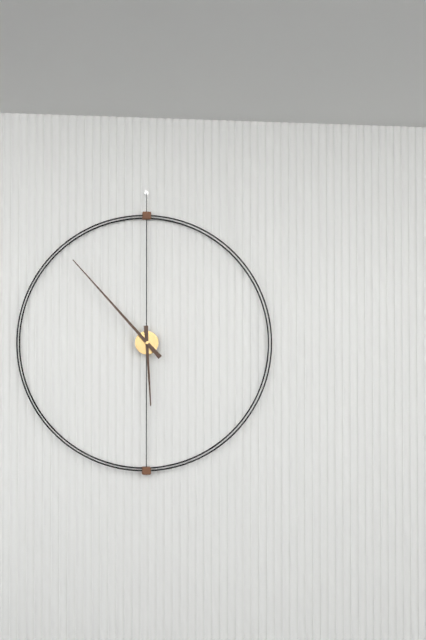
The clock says 5:53
